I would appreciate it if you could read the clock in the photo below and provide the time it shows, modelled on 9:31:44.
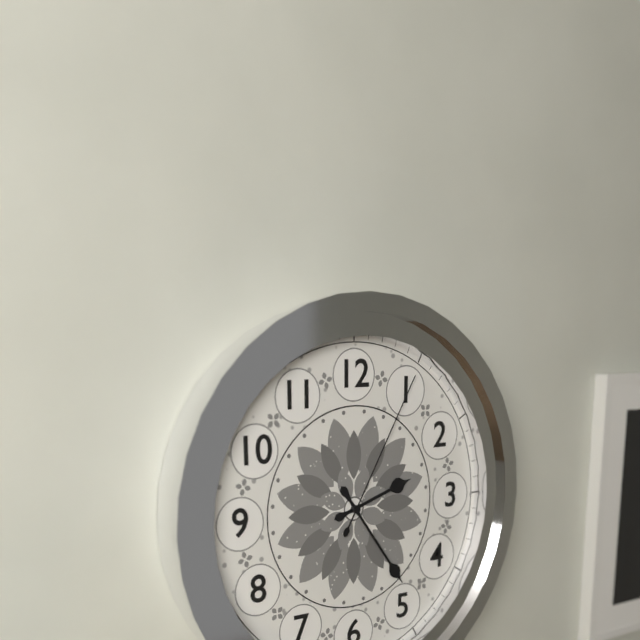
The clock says 2:24:05
